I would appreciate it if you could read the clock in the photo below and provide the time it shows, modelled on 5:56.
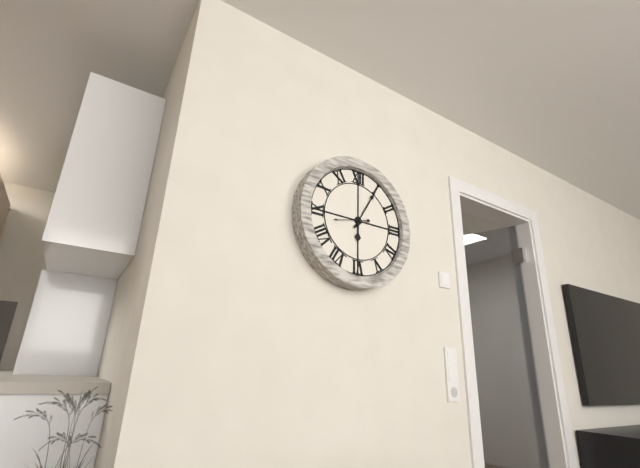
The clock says 6:05
